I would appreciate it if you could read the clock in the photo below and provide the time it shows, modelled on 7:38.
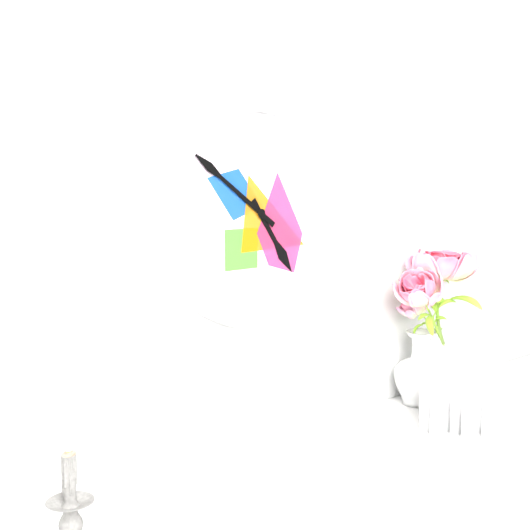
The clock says 4:51
